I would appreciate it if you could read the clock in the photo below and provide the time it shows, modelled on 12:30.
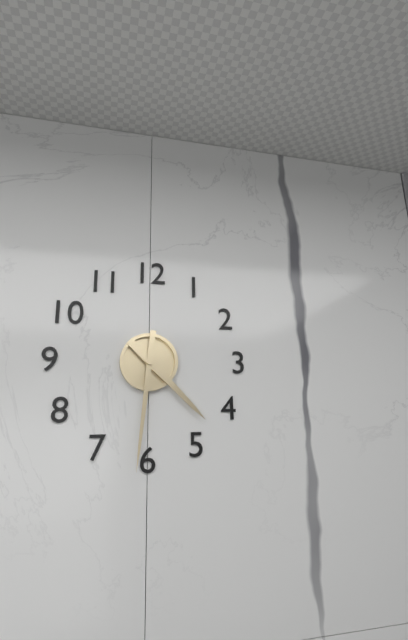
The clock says 4:31
